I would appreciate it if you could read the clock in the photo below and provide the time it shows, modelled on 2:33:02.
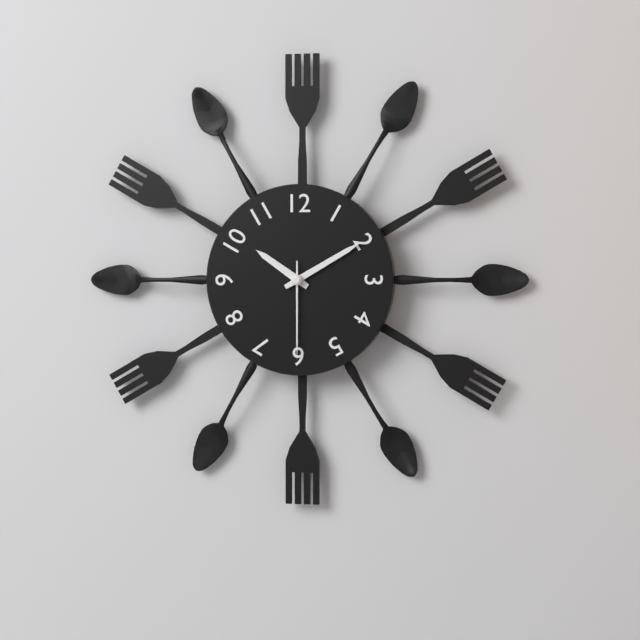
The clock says 10:10:30
